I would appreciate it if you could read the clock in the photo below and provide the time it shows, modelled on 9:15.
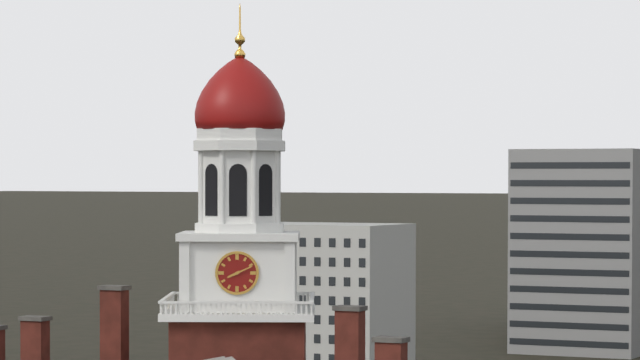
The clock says 8:11
